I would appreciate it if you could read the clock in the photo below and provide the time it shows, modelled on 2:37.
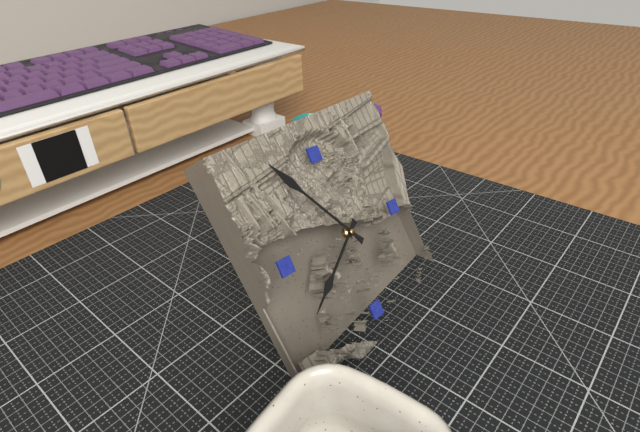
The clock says 7:54
